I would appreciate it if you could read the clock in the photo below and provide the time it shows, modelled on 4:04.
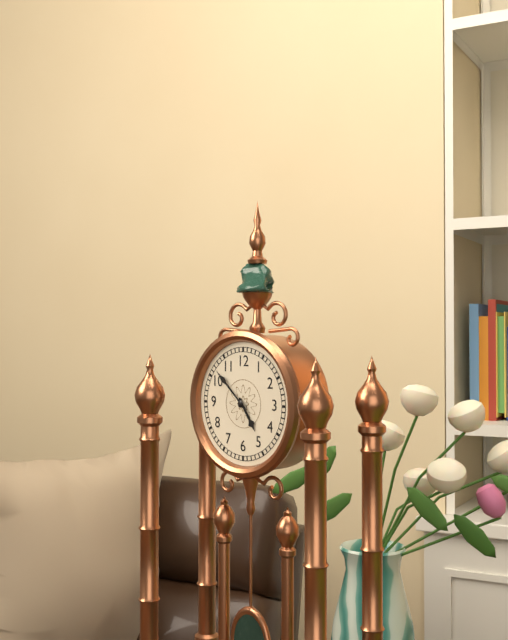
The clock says 4:52
